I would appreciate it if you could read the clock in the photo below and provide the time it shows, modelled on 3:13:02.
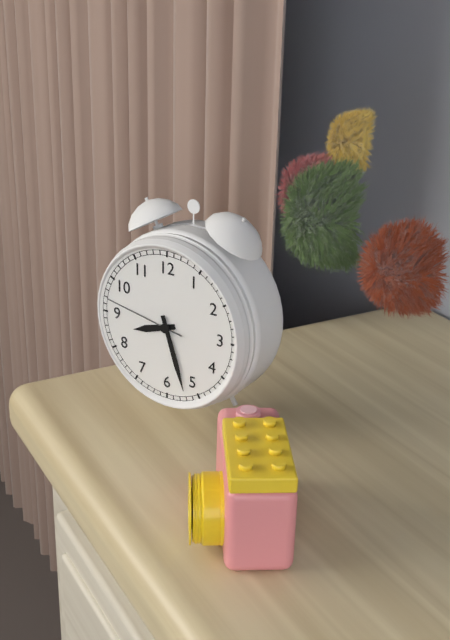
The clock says 8:27:47
